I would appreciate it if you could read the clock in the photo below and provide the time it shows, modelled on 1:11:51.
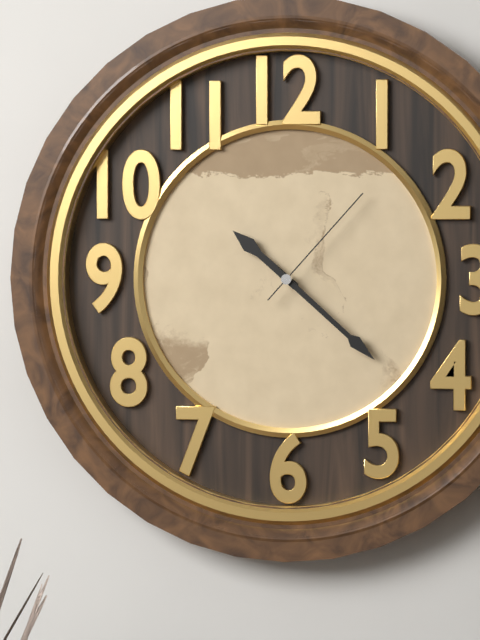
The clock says 10:22:07
